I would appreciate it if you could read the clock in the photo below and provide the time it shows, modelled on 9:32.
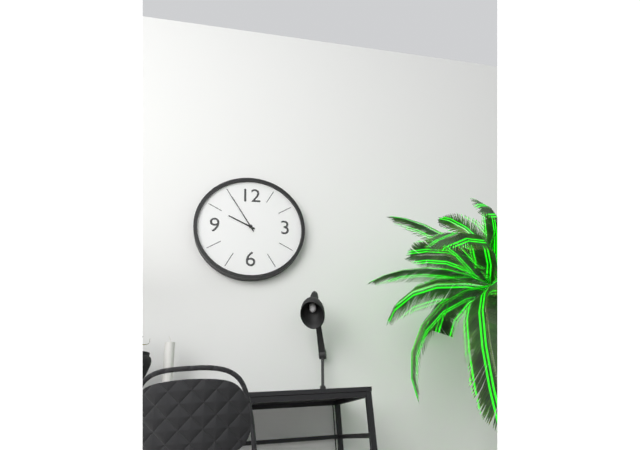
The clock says 9:55
